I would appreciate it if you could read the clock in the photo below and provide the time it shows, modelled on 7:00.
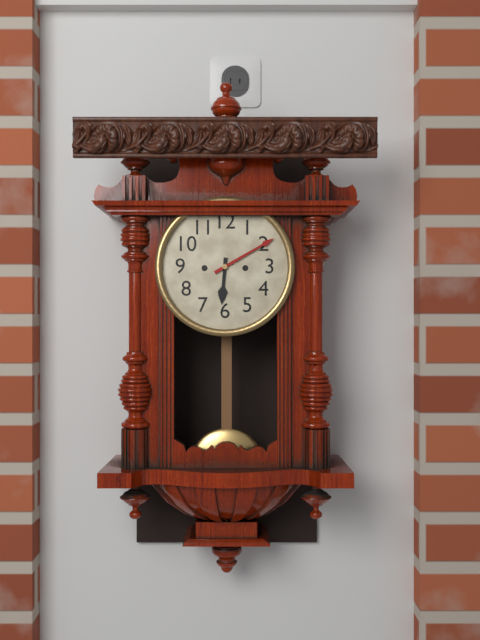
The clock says 6:10
